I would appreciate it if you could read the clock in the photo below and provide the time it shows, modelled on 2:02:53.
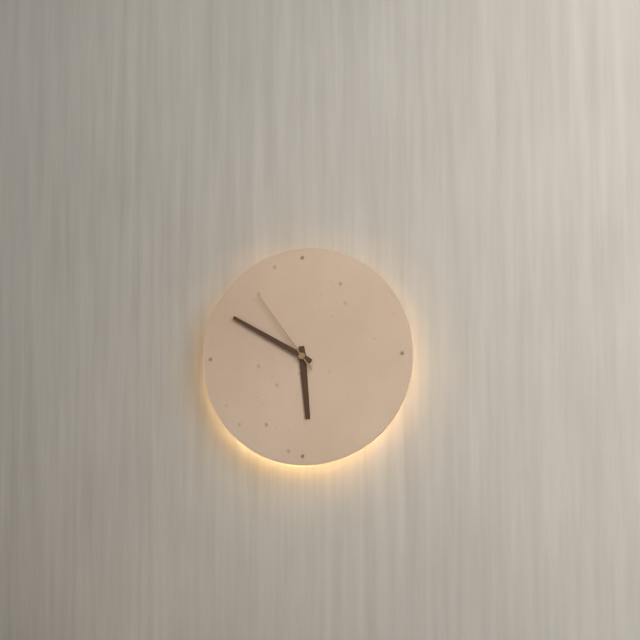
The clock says 5:50:54
